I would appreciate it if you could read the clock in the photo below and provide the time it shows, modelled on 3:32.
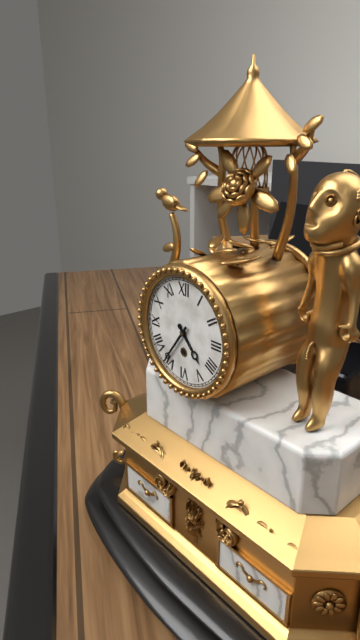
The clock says 4:36
